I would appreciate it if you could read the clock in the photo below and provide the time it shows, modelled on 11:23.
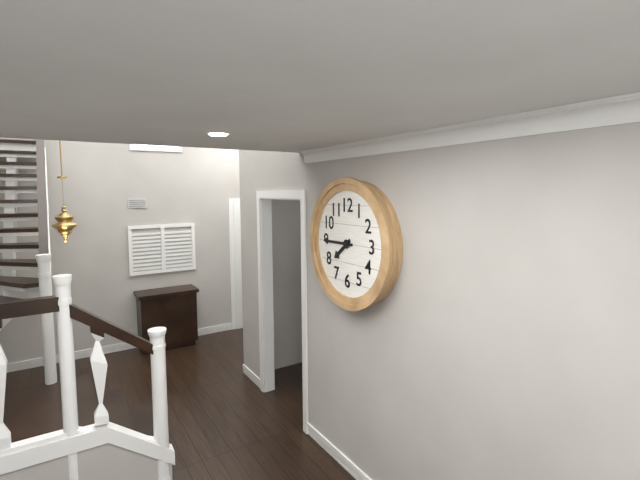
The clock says 7:45
